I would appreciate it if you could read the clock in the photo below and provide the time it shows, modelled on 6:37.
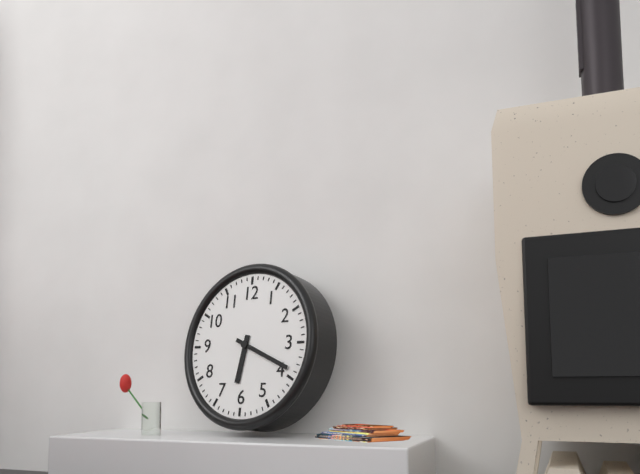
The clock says 6:19
